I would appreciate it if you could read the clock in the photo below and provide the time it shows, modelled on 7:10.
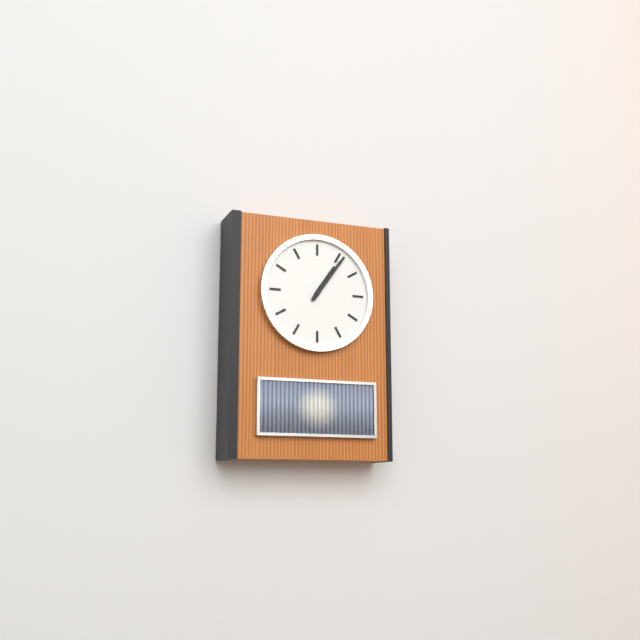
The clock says 1:06
